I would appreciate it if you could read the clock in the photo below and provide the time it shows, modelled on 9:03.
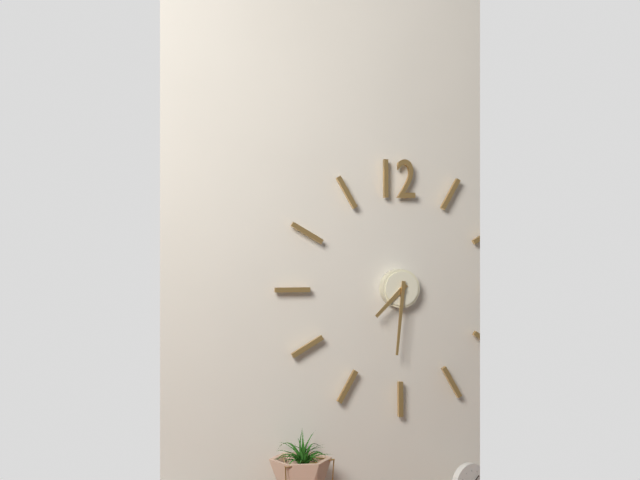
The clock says 7:31
